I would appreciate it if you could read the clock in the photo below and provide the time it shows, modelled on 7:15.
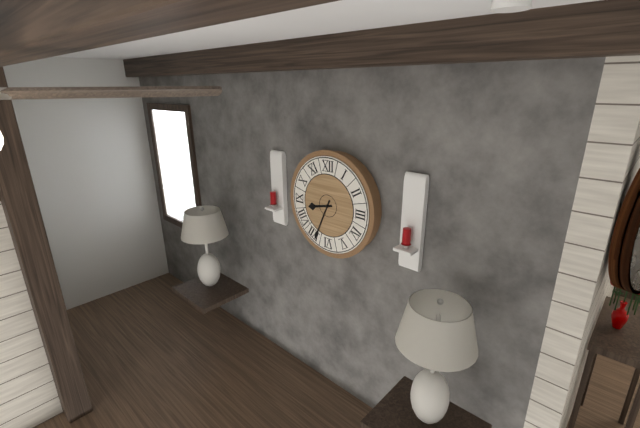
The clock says 8:34
